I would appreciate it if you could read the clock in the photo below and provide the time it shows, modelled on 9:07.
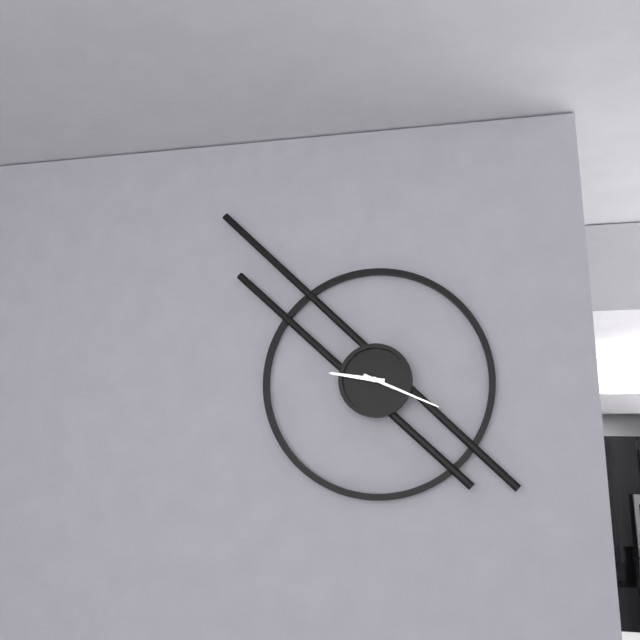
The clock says 9:19
